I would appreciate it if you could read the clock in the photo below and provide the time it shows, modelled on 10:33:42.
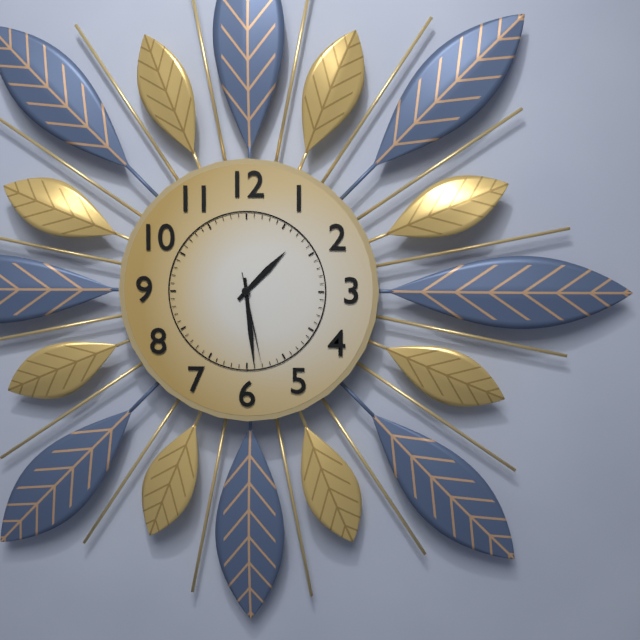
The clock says 1:29:28
